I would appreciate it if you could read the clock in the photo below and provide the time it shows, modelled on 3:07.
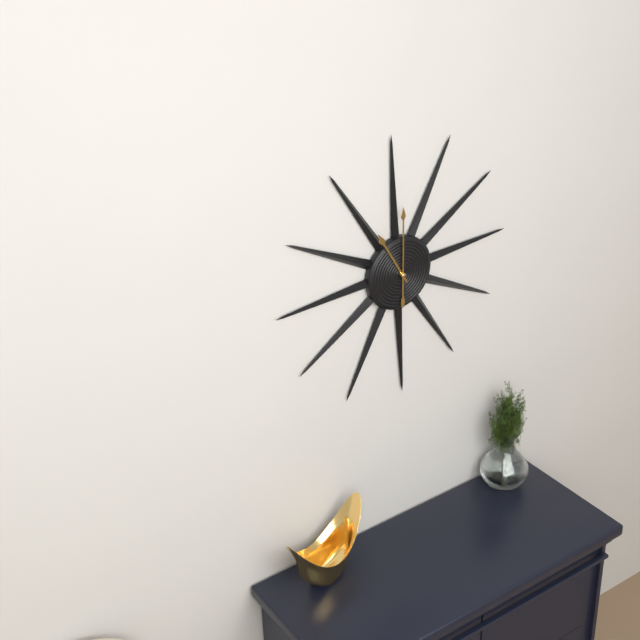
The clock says 11:00
